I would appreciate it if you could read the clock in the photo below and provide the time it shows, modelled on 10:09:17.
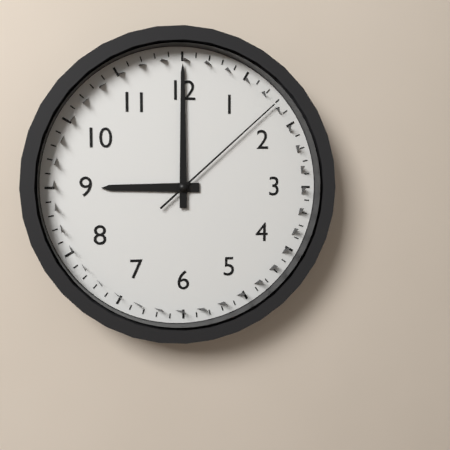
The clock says 9:00:08
